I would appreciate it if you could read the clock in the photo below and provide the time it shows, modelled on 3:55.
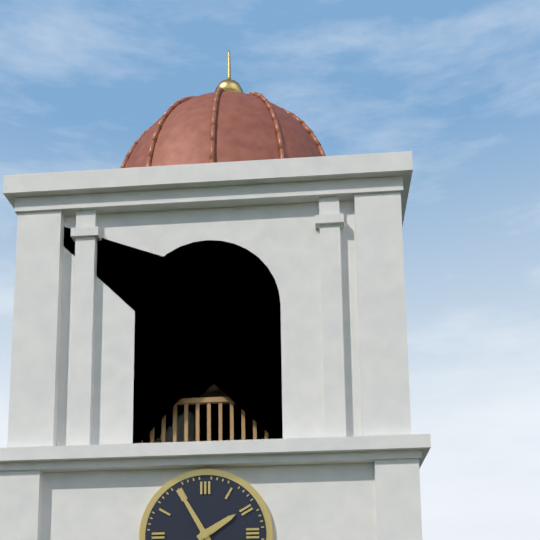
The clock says 1:55
